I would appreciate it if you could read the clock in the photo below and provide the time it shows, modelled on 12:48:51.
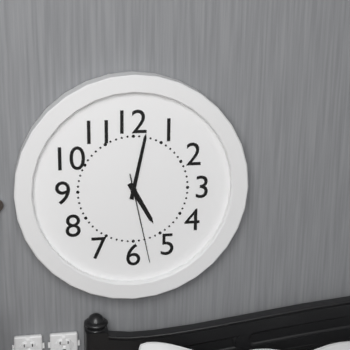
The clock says 5:02:28
